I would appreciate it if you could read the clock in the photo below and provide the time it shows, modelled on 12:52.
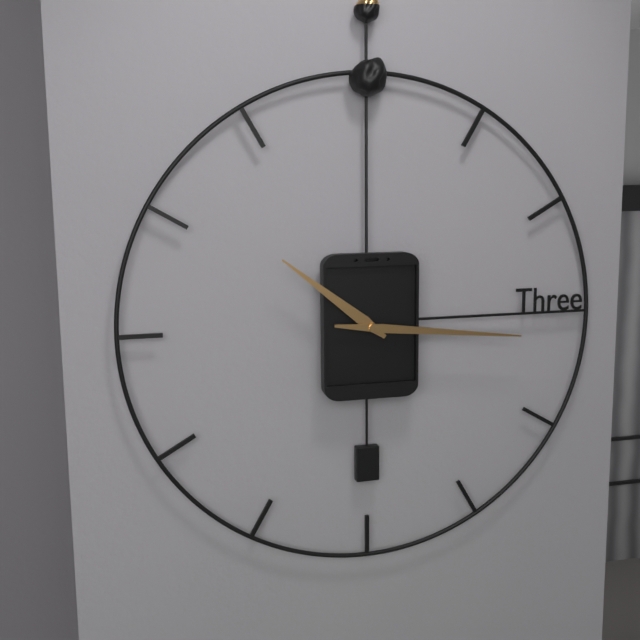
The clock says 10:16
